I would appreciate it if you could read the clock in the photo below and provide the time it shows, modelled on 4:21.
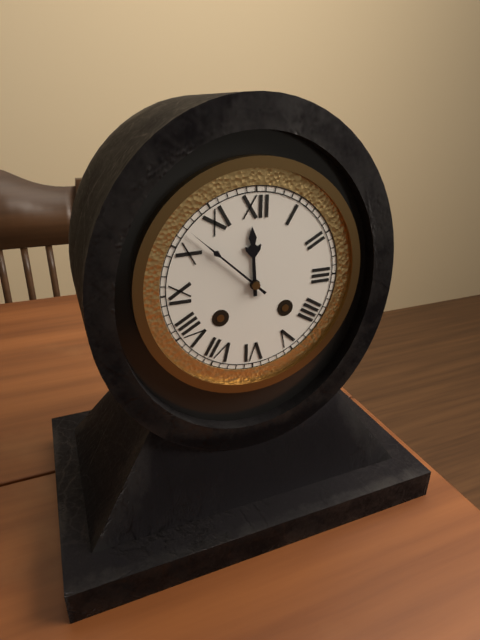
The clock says 11:52
